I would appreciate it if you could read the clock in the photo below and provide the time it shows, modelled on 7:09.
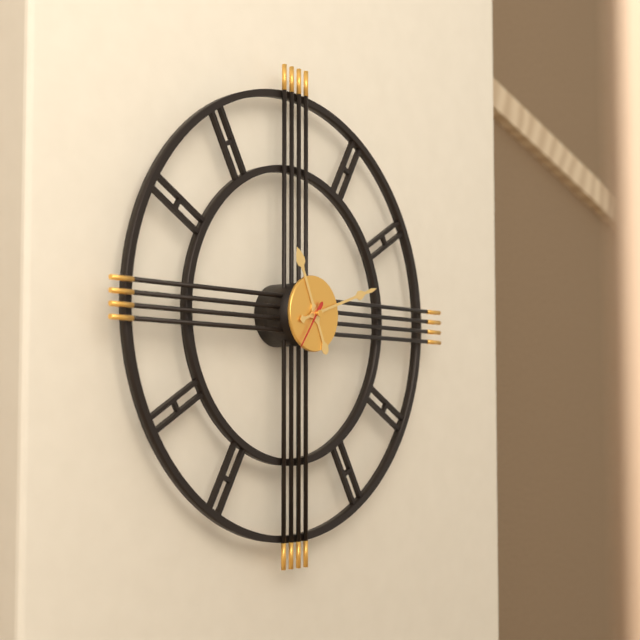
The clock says 11:12
